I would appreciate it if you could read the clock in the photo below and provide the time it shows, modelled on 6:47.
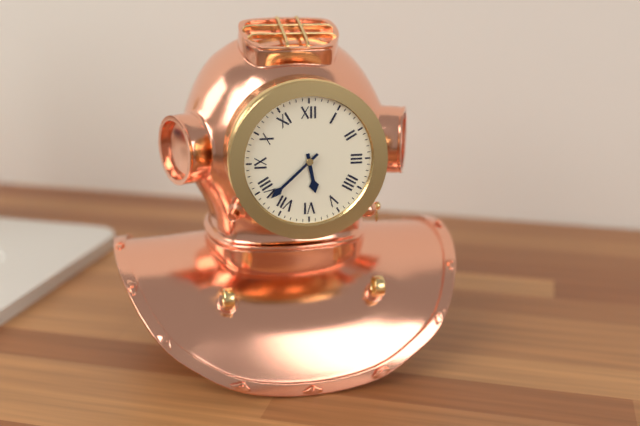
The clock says 5:38
